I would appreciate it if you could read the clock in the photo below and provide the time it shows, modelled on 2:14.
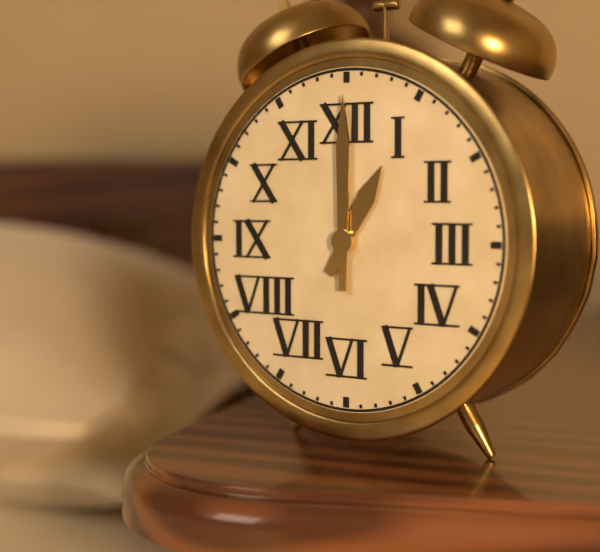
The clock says 1:00
